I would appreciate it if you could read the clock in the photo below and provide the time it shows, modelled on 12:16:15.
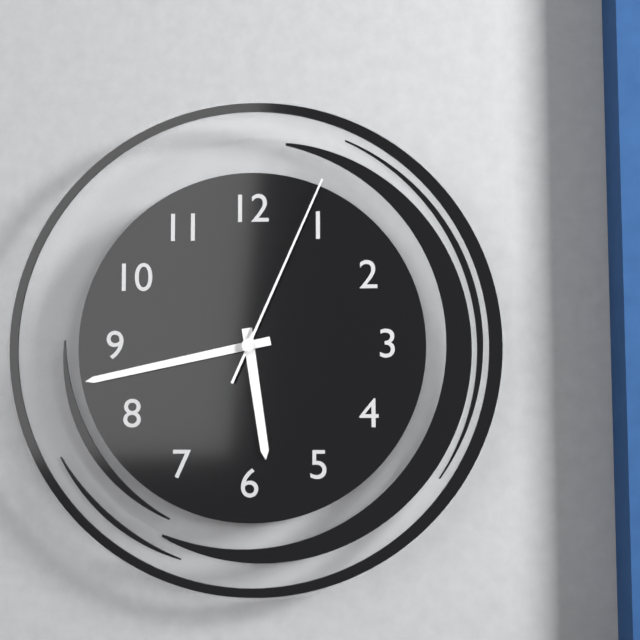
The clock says 5:43:04
